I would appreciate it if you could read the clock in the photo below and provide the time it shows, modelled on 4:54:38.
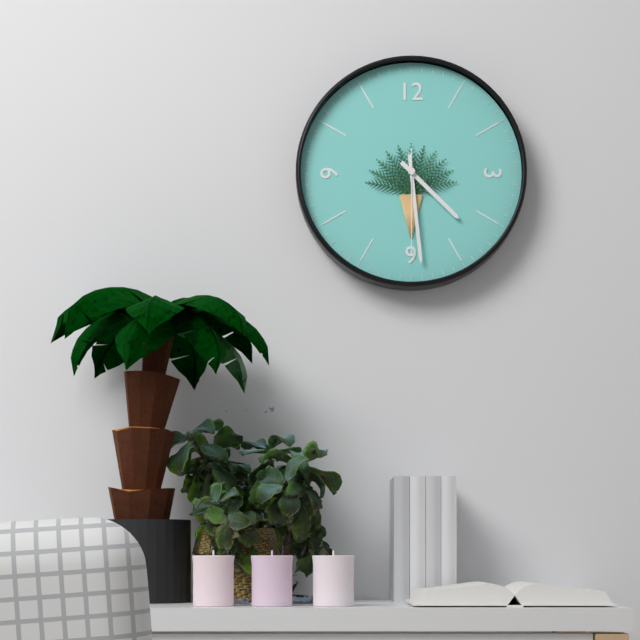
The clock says 4:29:30
